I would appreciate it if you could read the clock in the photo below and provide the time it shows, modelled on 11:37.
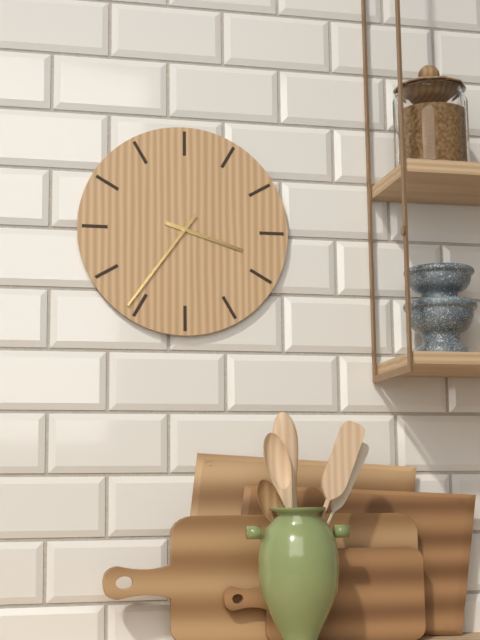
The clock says 3:36
